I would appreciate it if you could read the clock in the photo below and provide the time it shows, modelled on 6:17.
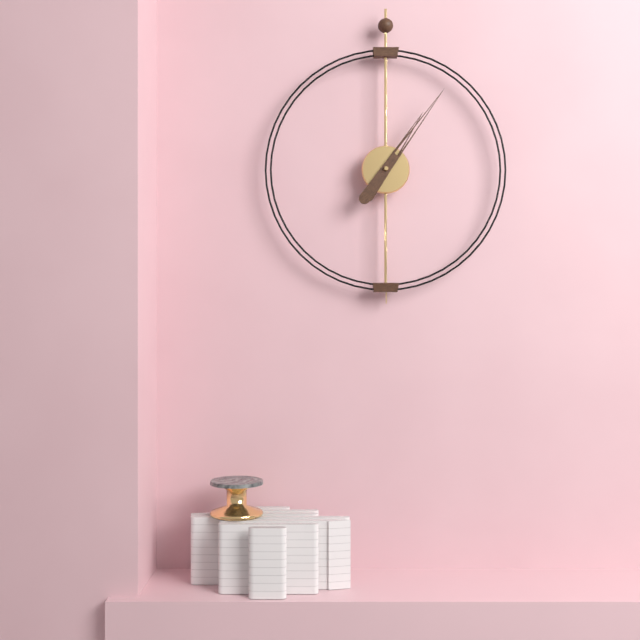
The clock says 1:06
